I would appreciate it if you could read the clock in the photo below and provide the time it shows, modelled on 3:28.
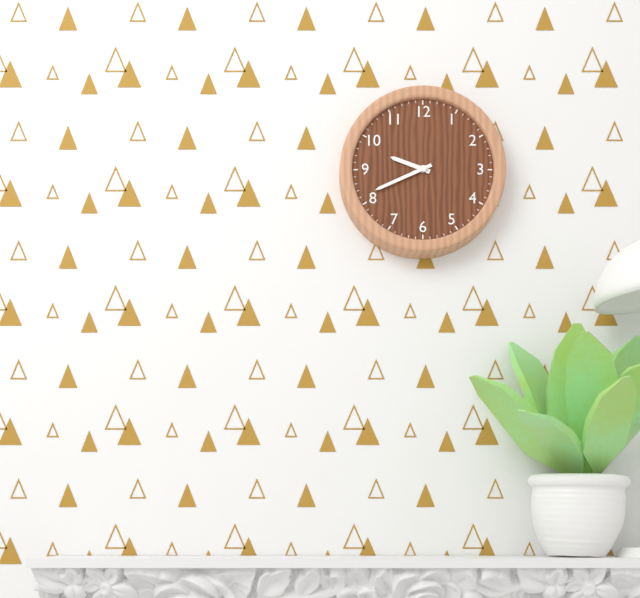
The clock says 9:41
